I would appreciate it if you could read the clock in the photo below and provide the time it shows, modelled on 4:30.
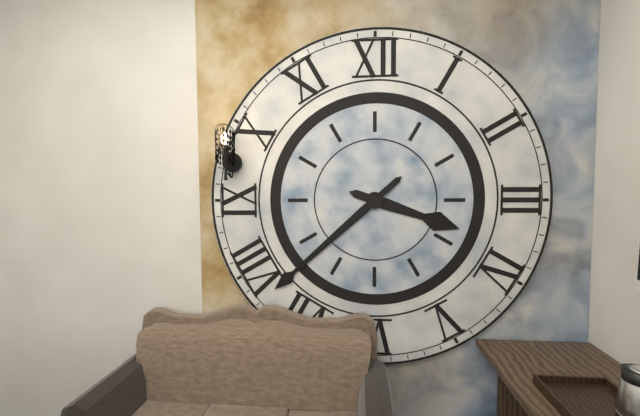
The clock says 3:38
